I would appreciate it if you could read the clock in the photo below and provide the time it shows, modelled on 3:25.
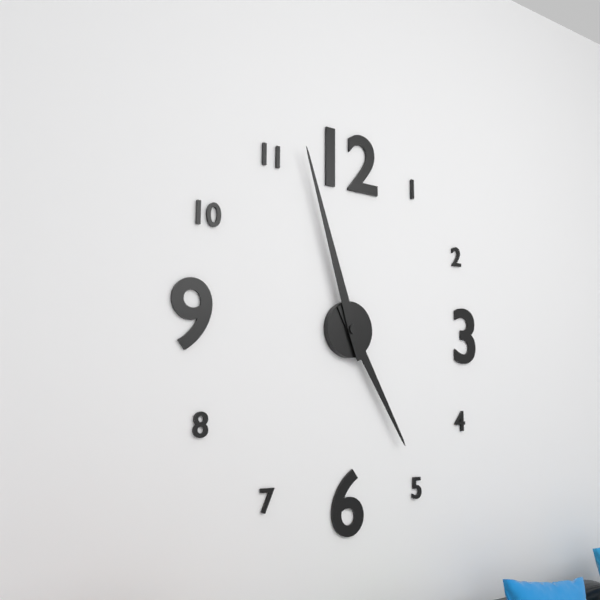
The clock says 4:57
